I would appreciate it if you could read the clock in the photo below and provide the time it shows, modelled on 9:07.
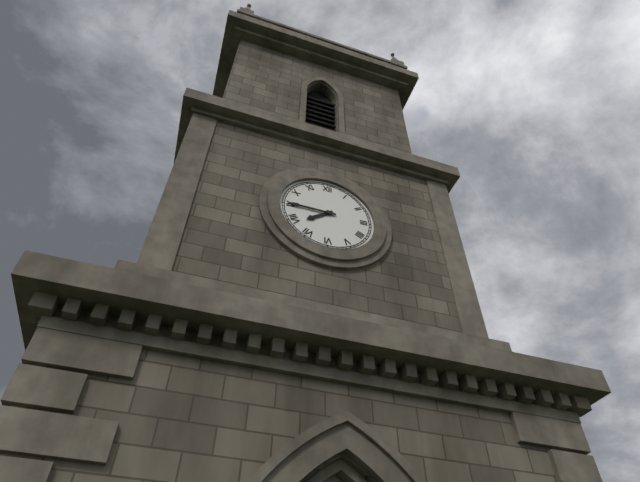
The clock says 7:45
